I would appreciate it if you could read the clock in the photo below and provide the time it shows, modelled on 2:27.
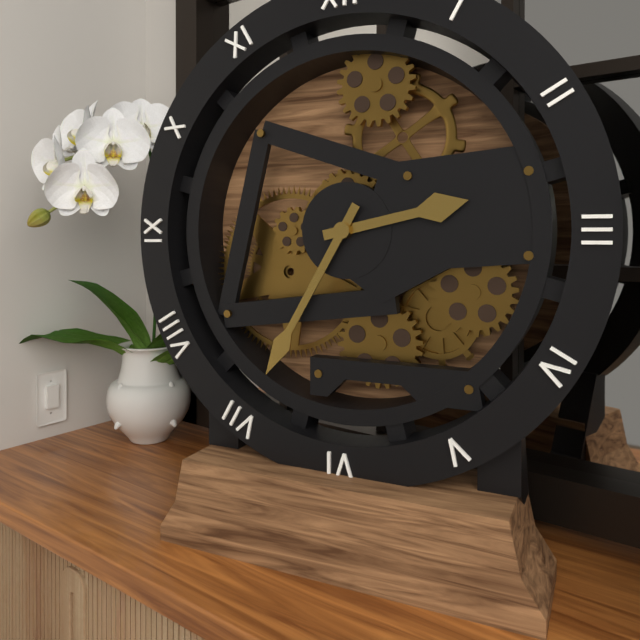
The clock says 2:35
